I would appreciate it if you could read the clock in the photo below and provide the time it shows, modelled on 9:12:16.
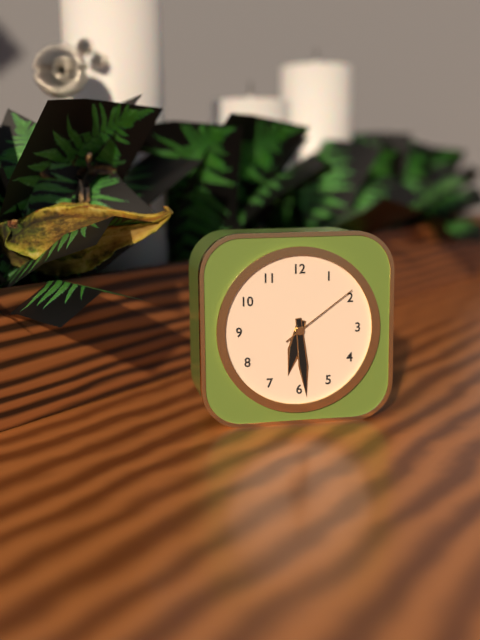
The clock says 6:29:09
